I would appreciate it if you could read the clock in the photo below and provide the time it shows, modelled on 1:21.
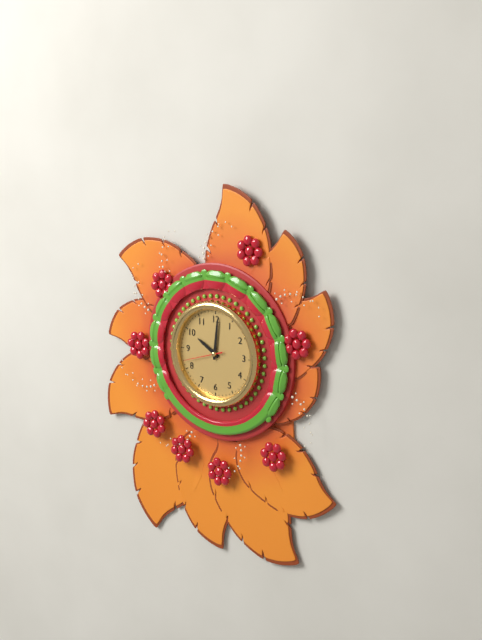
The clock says 10:01
